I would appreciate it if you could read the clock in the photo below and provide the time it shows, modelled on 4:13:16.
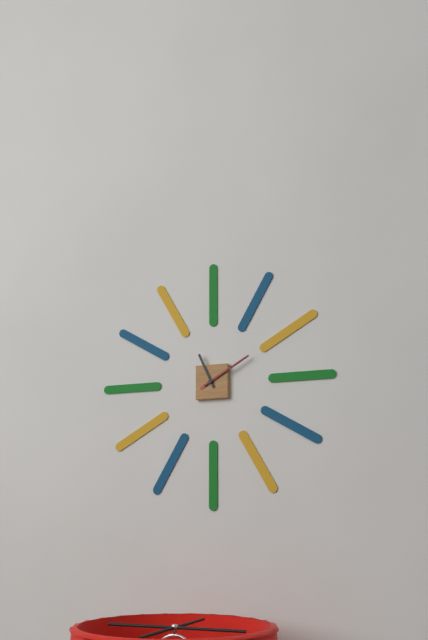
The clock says 11:10:10
